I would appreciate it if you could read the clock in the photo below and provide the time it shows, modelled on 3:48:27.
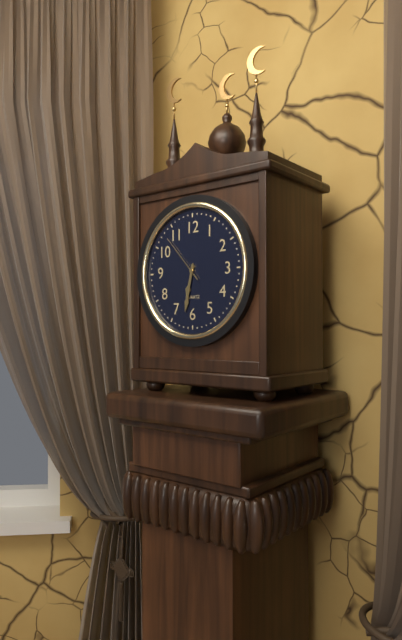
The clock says 6:32:53
